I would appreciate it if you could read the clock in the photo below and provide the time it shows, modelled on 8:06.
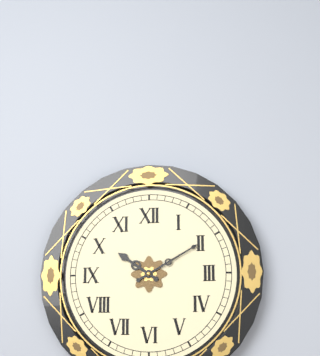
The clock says 10:10
